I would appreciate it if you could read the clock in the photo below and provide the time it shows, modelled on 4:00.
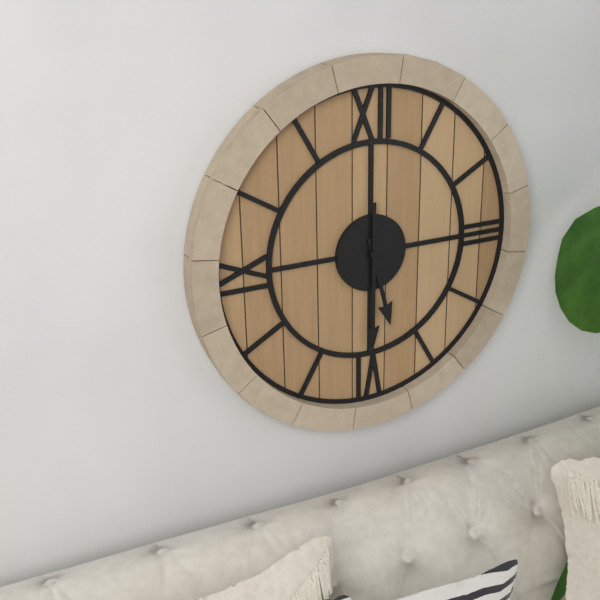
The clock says 5:30
